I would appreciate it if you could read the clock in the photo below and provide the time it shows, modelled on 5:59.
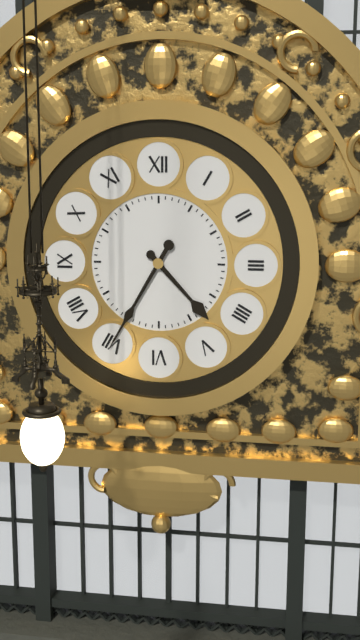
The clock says 4:35
